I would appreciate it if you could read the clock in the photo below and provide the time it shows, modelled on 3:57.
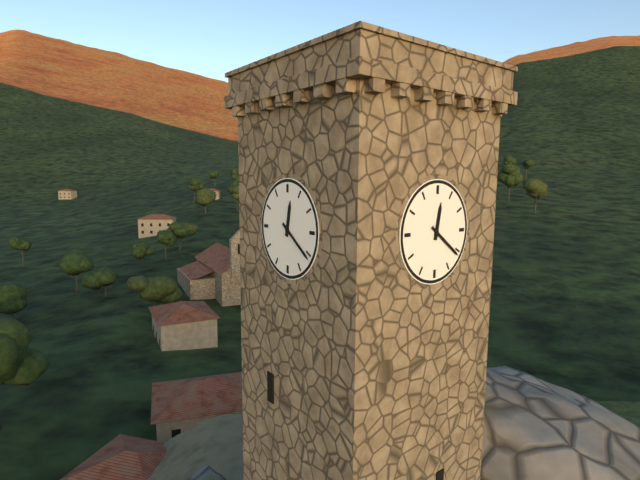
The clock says 12:21
